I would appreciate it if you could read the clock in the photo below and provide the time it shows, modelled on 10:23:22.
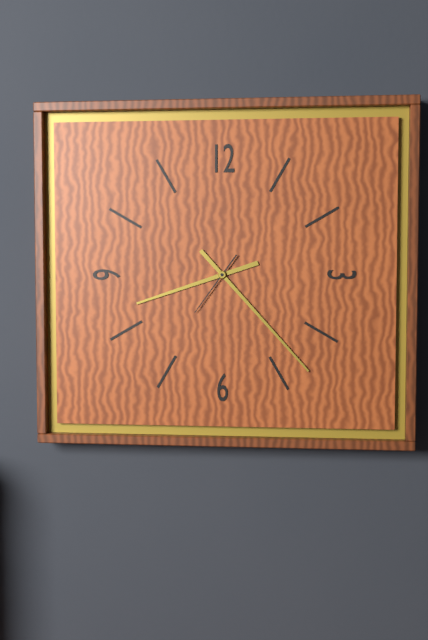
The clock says 8:23:36
